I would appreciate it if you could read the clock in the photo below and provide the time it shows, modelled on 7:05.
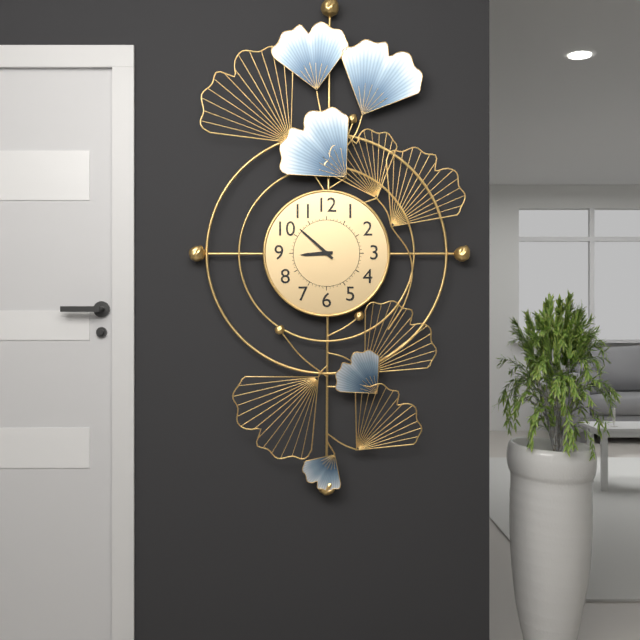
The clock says 8:52
